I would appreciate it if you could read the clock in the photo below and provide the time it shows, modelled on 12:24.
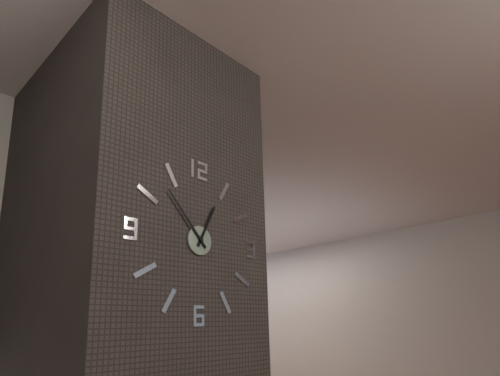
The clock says 12:53
